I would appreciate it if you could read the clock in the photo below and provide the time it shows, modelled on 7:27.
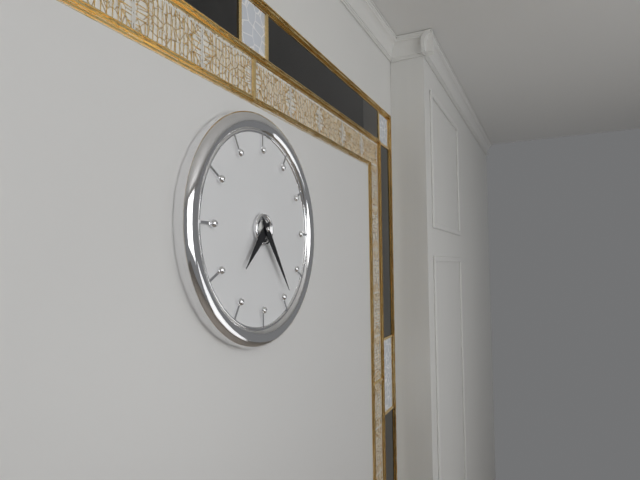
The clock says 7:24
